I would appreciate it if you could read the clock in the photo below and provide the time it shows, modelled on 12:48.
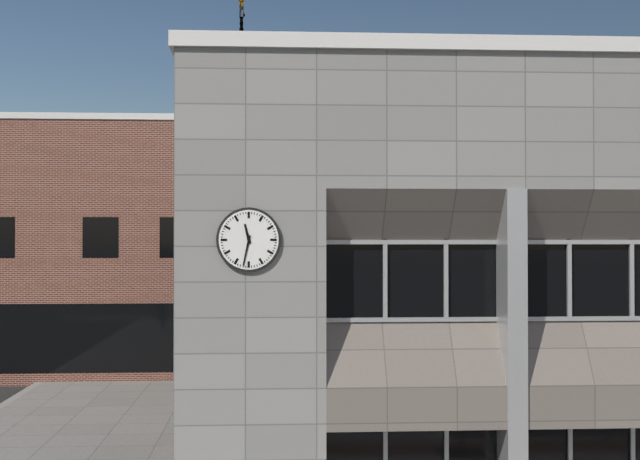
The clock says 11:32
